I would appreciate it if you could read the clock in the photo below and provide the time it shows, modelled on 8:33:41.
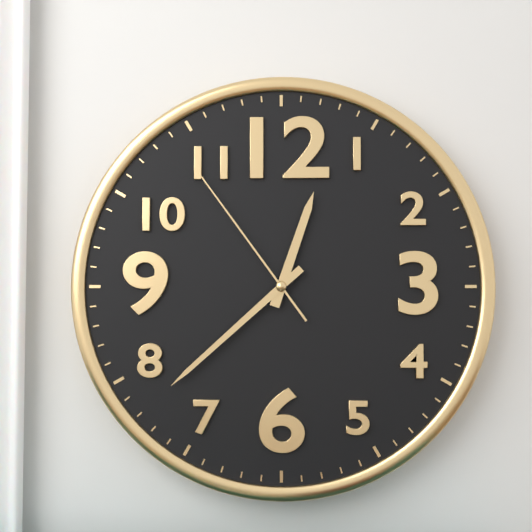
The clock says 12:38:54
